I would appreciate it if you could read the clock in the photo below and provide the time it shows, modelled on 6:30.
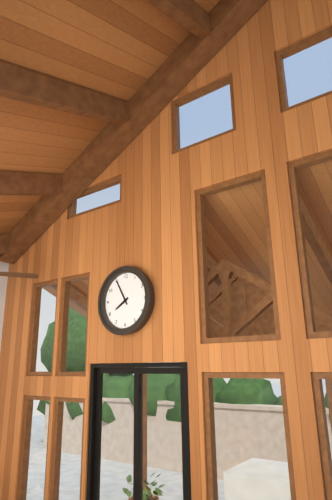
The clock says 7:55
